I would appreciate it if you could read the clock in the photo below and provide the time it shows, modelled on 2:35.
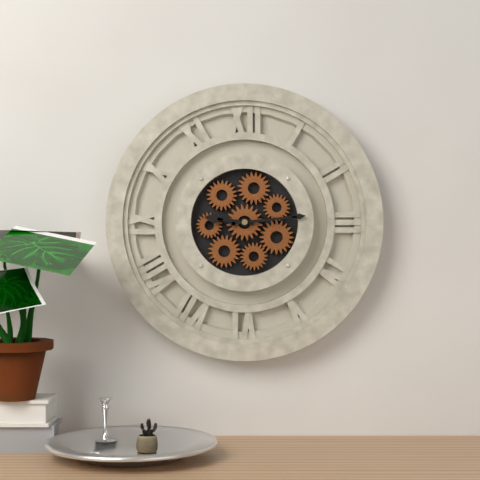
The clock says 9:14
